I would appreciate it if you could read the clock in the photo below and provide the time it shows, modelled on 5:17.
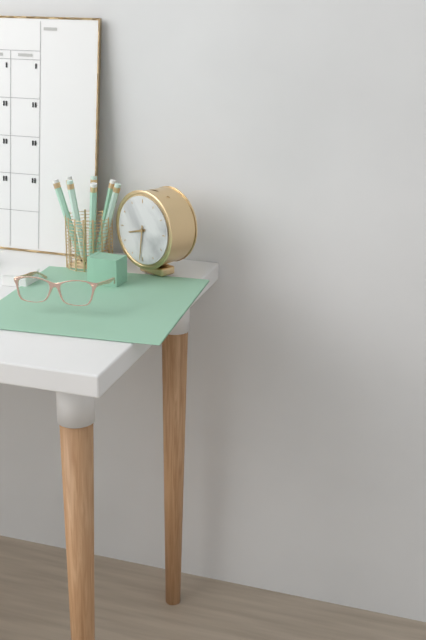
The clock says 8:31
